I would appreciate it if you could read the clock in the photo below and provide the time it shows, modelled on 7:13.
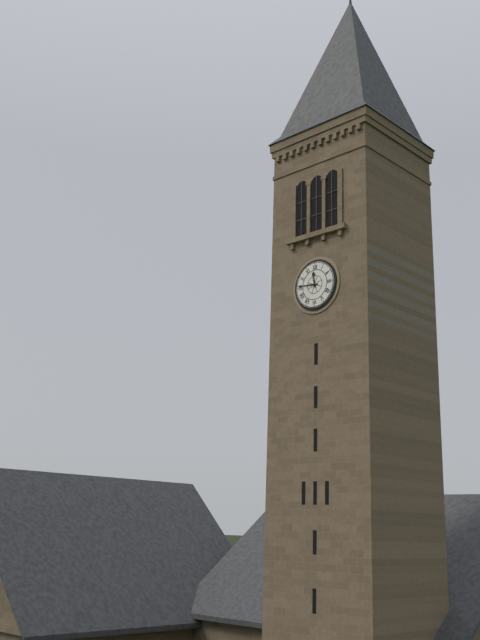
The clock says 11:46
